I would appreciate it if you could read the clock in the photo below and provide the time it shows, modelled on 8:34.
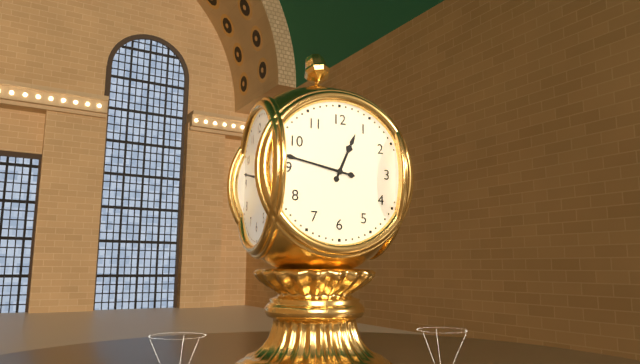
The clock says 12:47
